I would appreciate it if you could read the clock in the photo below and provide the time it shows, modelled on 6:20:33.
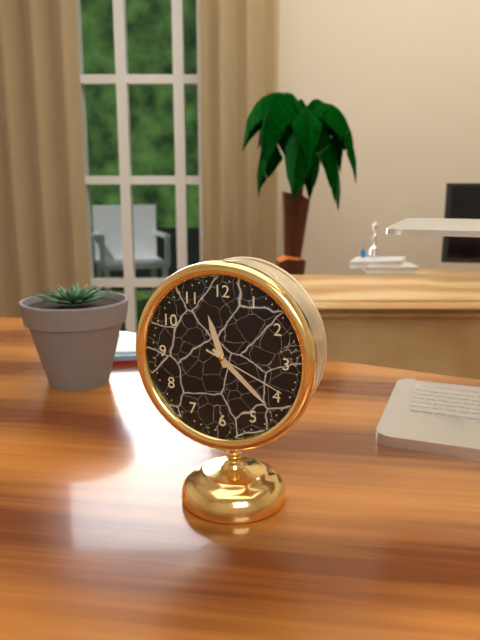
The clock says 11:22:19
